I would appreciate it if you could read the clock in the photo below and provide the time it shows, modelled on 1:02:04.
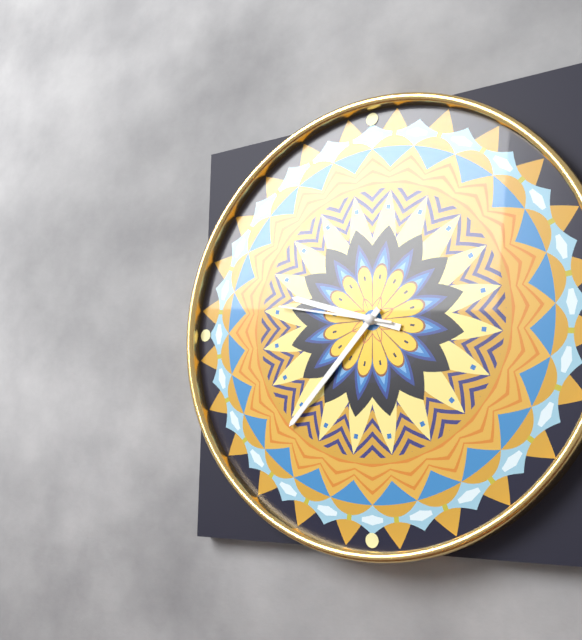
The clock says 9:37:47
